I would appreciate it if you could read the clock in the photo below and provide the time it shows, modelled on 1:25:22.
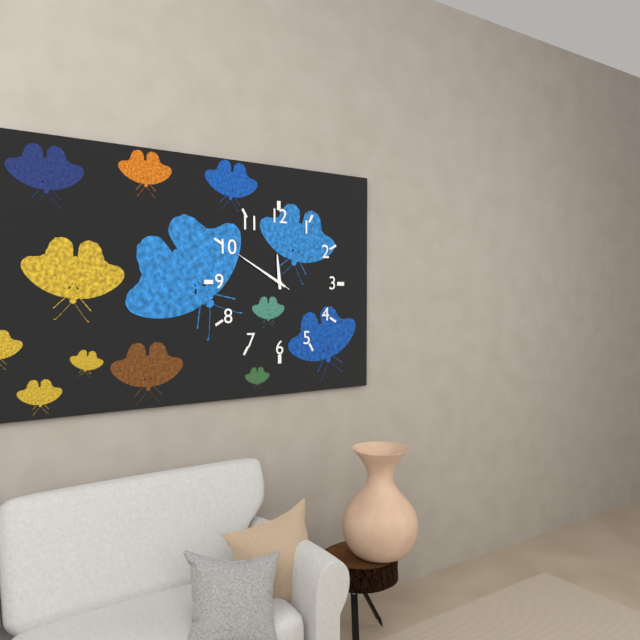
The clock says 11:50:50
